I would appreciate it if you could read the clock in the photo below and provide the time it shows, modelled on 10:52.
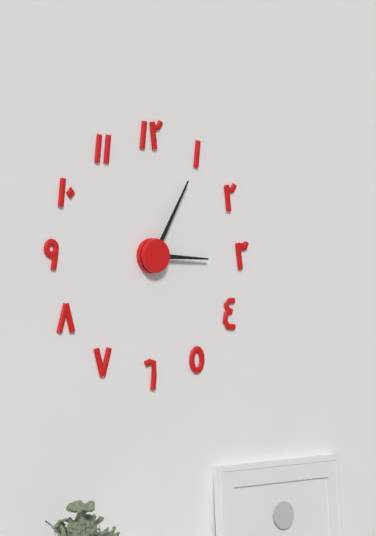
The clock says 3:05
